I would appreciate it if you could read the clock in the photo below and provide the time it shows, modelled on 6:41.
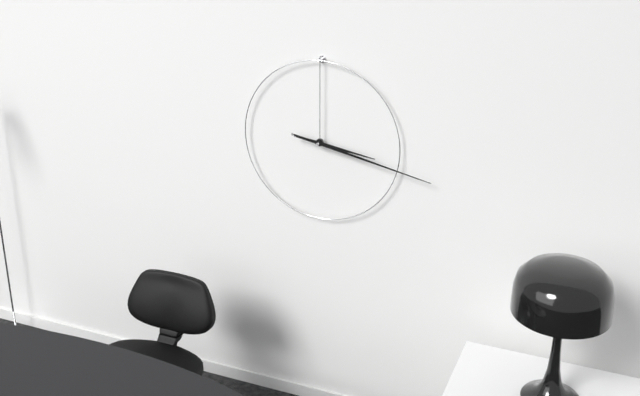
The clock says 3:17
